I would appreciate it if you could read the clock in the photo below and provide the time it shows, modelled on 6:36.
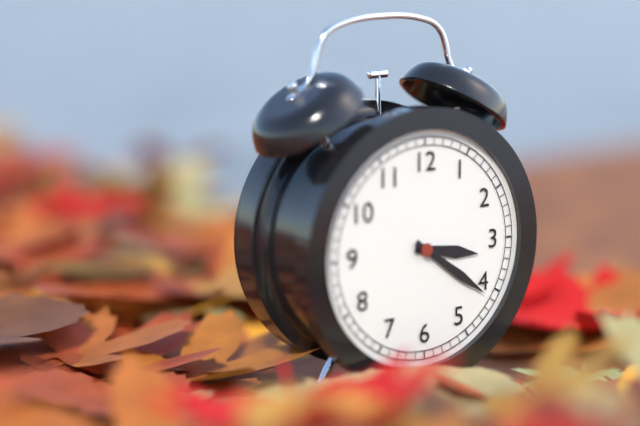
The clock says 3:21
